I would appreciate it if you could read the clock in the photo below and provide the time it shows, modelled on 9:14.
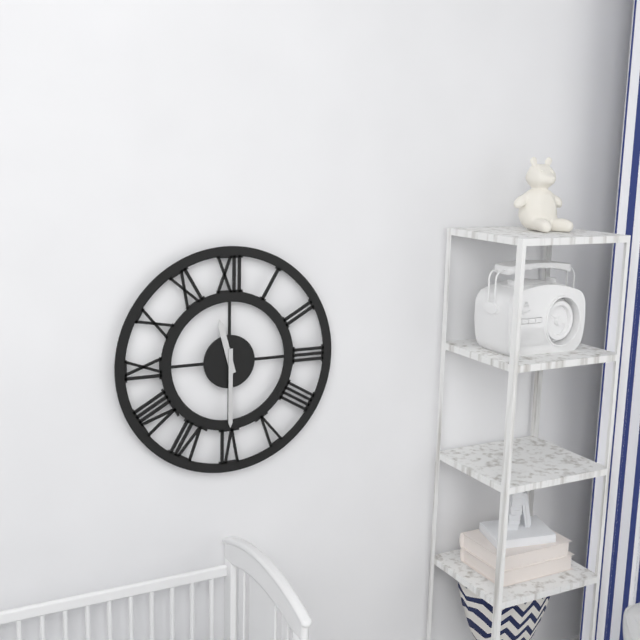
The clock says 11:30
